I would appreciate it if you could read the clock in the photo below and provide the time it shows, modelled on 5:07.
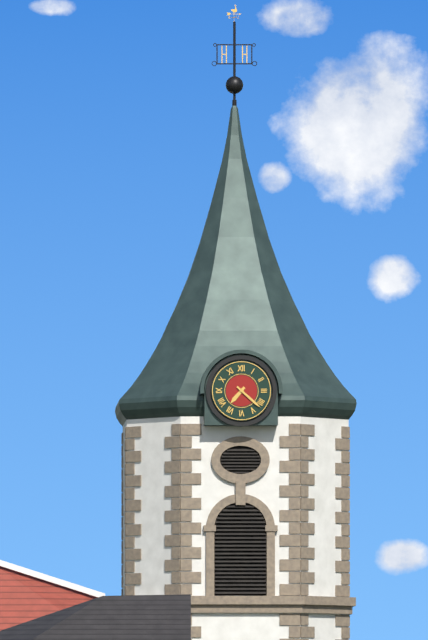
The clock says 7:22
